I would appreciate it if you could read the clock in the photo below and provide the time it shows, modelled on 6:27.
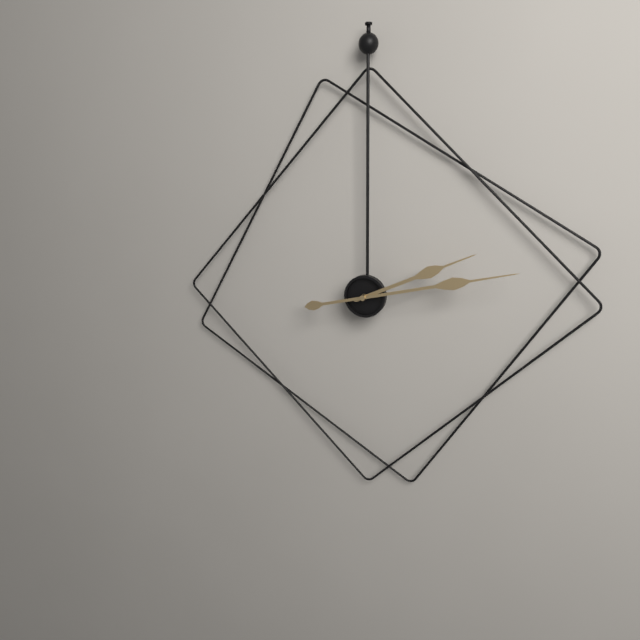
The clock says 2:13
